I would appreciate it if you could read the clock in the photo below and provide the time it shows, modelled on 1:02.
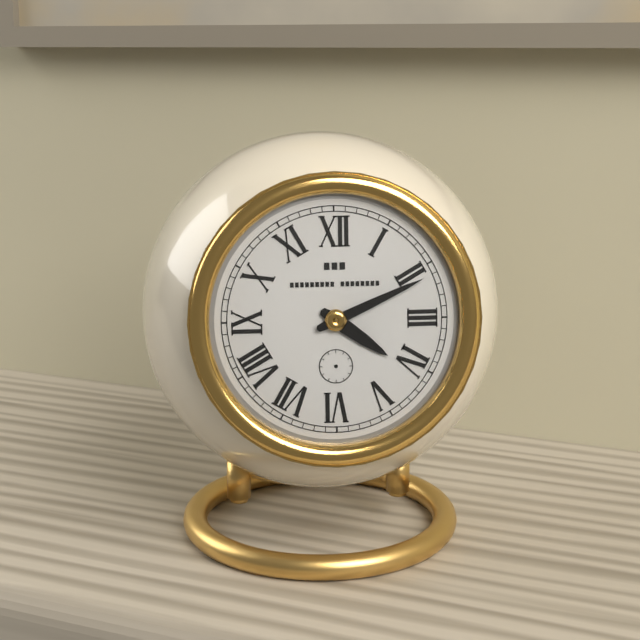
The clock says 4:11
